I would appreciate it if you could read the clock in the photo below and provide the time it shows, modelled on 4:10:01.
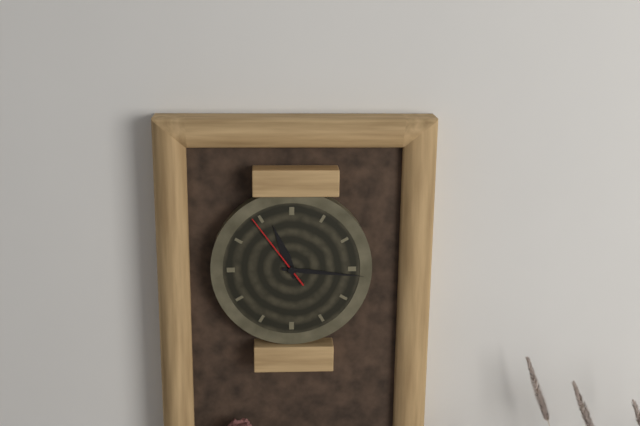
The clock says 11:16:54
